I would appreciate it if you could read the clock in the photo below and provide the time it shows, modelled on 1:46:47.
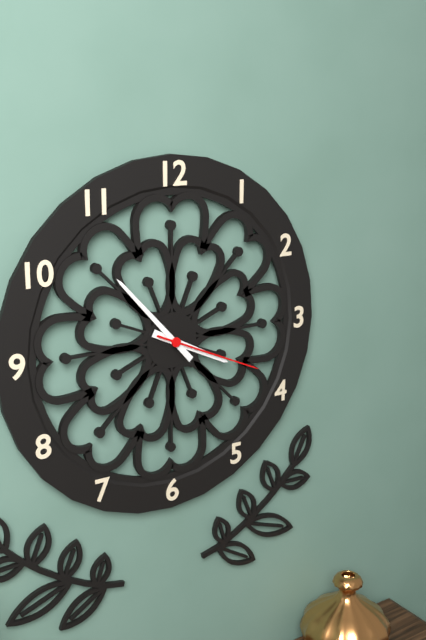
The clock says 3:53:19
